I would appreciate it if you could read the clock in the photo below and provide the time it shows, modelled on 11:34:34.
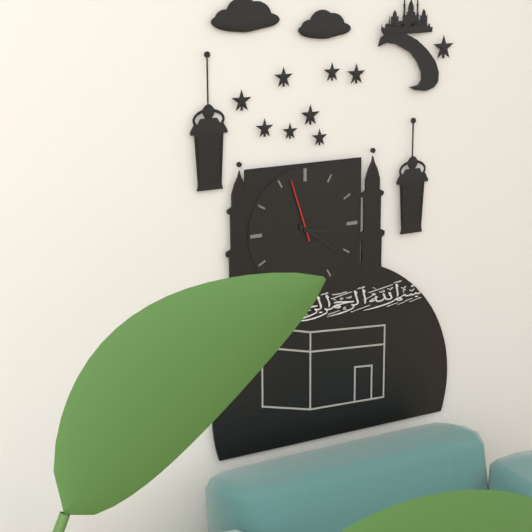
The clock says 3:21:57
